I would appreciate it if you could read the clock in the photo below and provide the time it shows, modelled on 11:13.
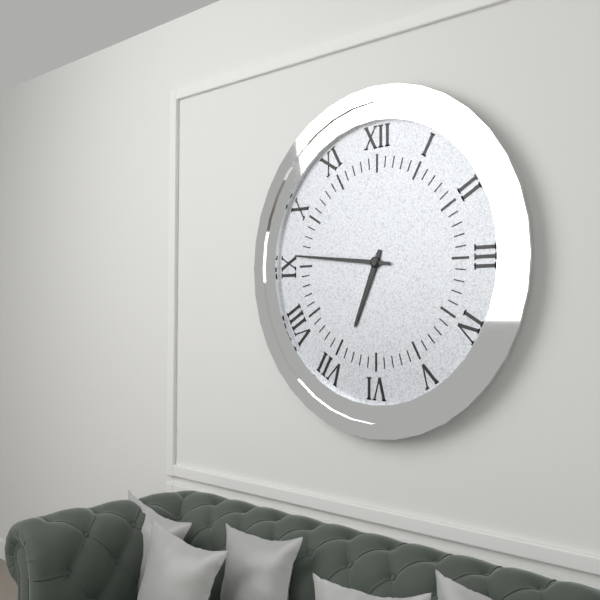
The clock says 6:46
